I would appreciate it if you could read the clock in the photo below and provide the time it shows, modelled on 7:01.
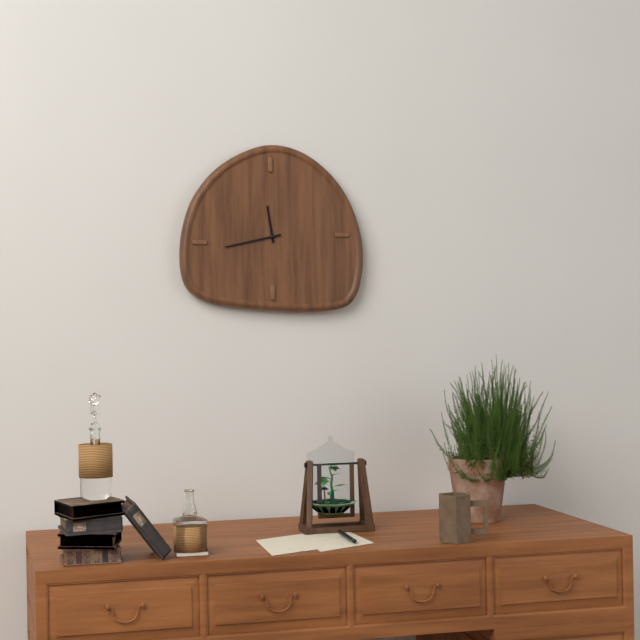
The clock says 11:43
